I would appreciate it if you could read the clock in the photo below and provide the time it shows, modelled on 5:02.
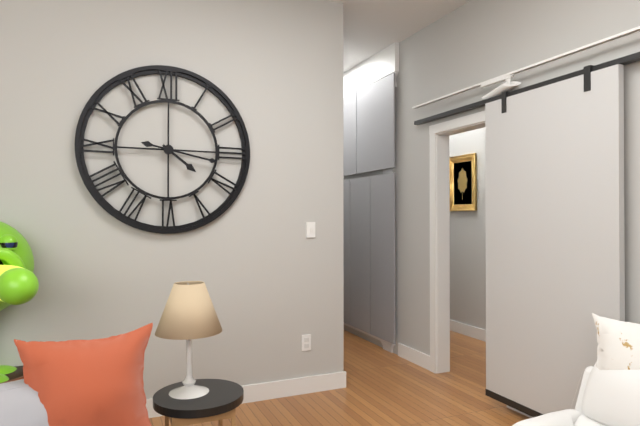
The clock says 4:17
